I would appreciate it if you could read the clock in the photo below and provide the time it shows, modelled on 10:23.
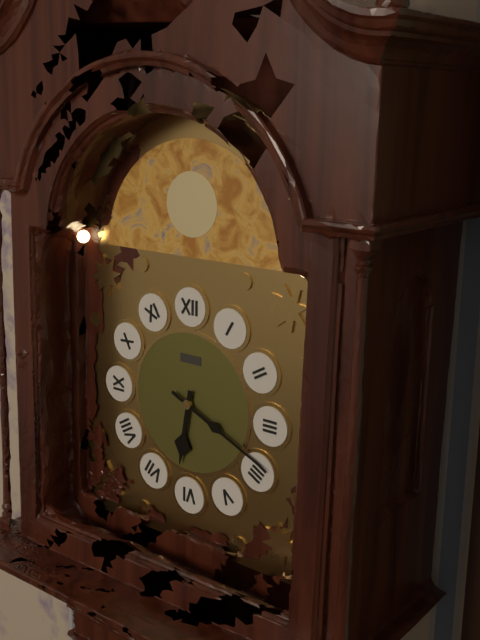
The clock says 6:19
